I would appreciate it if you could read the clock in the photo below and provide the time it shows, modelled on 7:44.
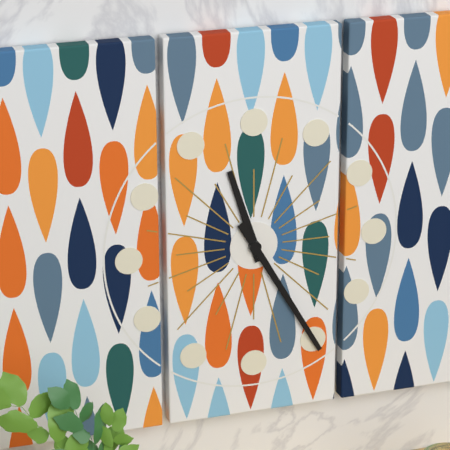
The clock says 11:25
